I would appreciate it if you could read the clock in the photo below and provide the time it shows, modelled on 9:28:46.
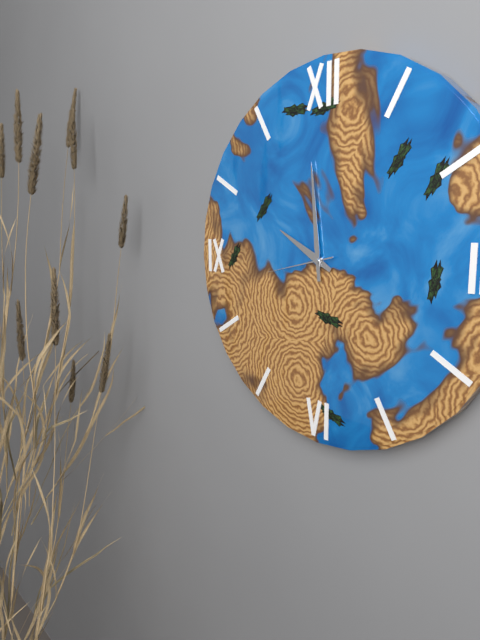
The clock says 9:59:43
